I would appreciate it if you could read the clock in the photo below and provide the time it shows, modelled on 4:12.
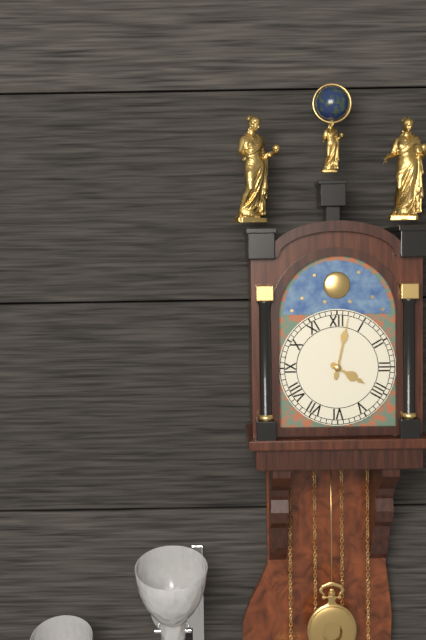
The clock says 4:02
